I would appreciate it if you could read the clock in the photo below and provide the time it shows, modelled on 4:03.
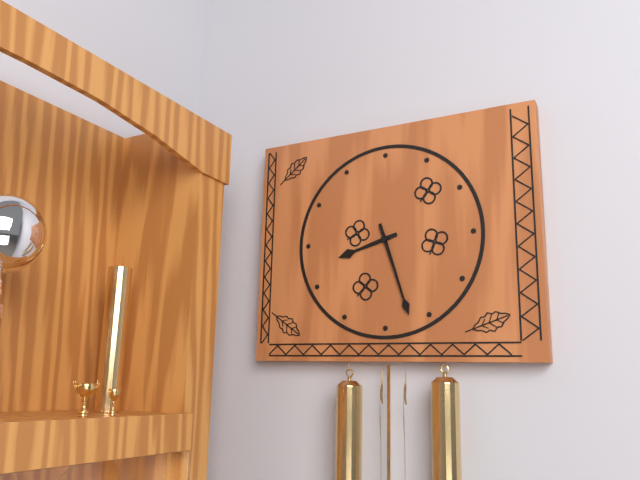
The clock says 8:27
